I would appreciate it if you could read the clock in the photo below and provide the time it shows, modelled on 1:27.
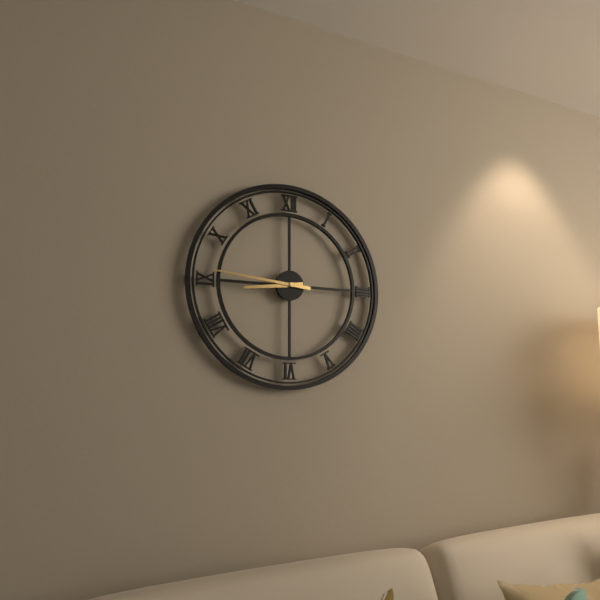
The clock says 8:46
